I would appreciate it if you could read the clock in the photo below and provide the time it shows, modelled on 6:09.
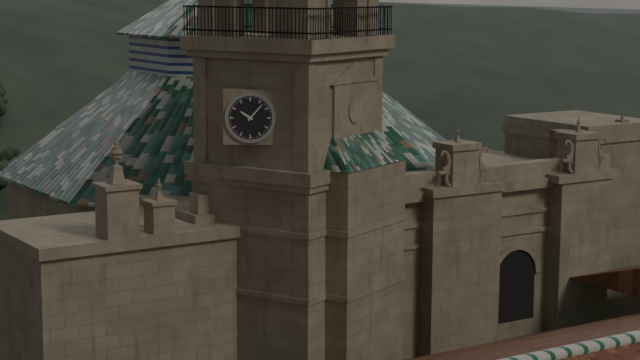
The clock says 10:07
